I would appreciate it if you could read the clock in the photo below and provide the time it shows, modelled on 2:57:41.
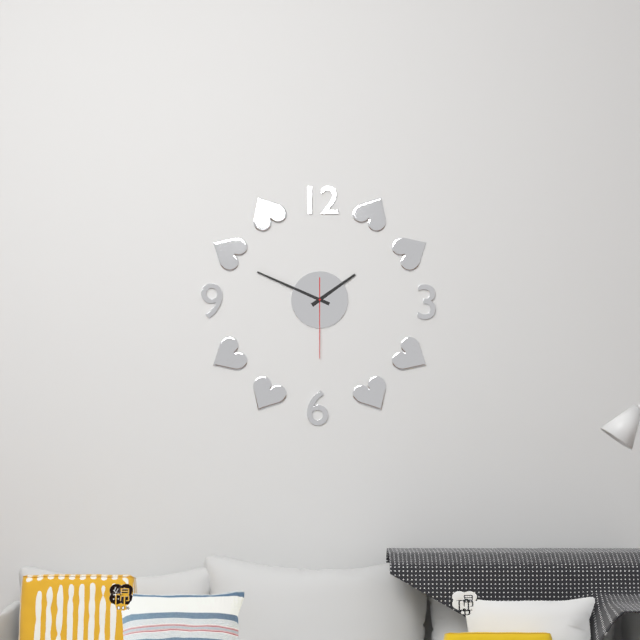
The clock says 1:49:30
